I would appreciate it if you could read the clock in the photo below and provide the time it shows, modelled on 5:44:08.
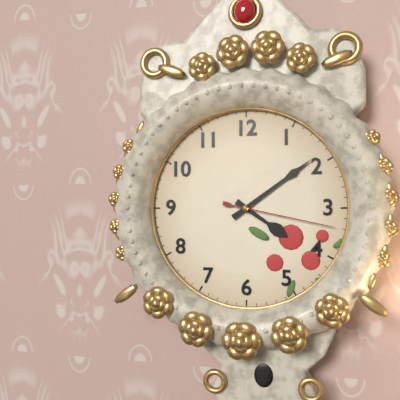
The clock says 4:09:17
